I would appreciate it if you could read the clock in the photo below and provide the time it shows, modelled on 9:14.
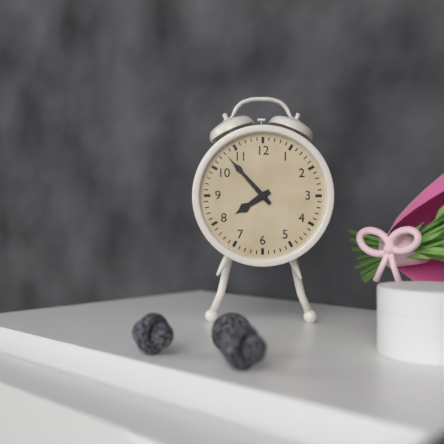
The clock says 7:53
